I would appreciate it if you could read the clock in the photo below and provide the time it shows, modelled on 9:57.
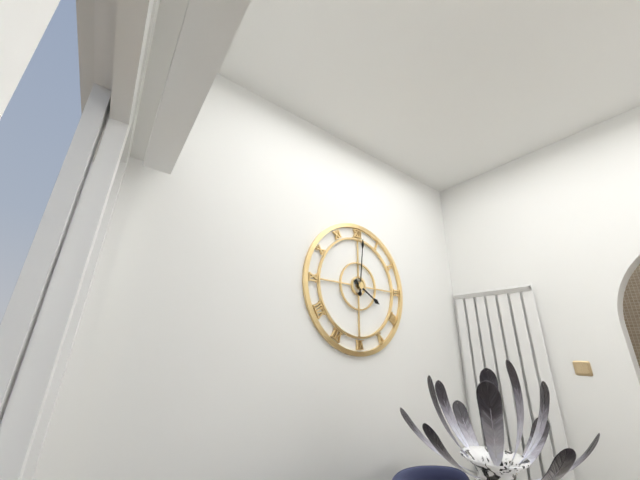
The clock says 4:01
